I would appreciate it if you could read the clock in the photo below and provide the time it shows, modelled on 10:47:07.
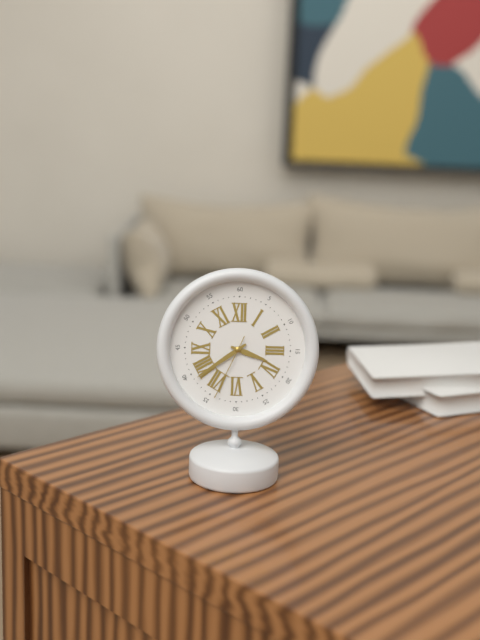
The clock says 3:39:34
